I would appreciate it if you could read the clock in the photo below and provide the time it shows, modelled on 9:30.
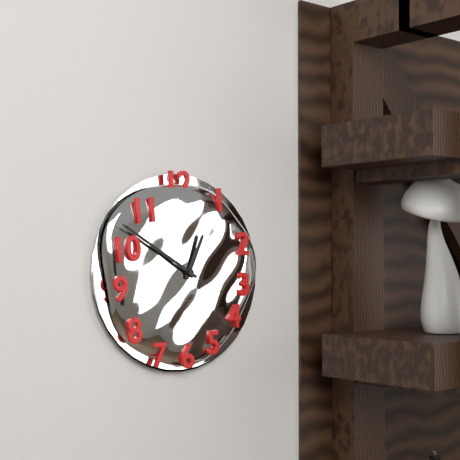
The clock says 12:50
